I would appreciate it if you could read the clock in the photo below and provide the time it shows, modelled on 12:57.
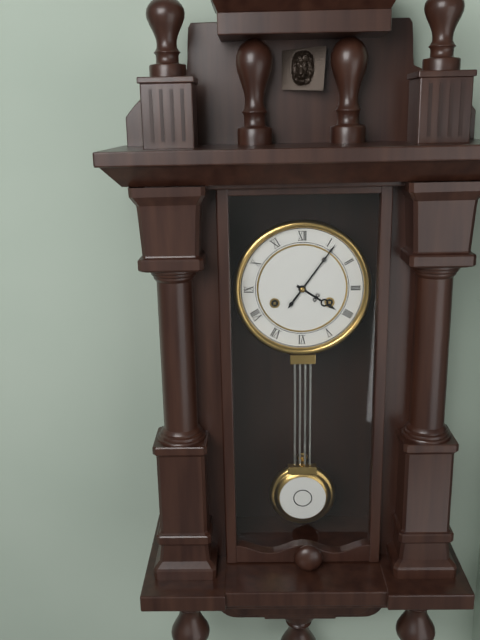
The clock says 4:06
